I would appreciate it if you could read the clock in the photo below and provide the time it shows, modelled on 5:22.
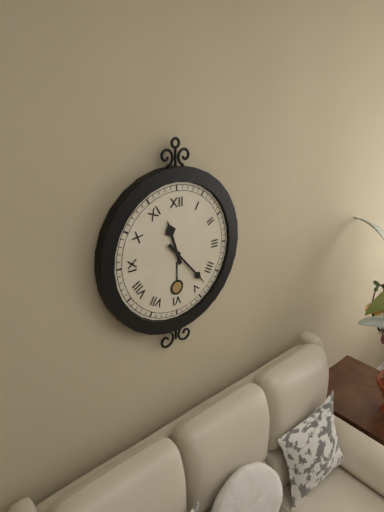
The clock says 11:23
